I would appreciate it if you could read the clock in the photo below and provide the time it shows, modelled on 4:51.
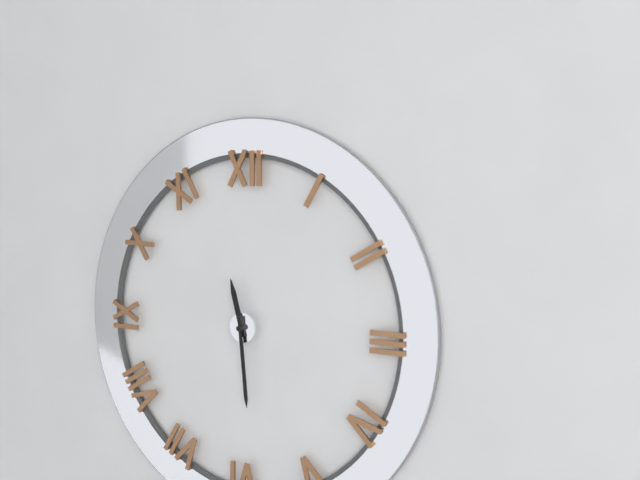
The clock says 11:29
